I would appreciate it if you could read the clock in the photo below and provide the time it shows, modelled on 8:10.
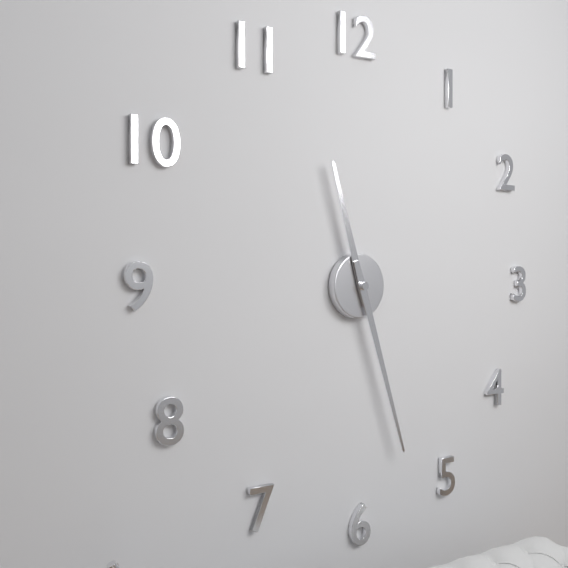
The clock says 11:27
